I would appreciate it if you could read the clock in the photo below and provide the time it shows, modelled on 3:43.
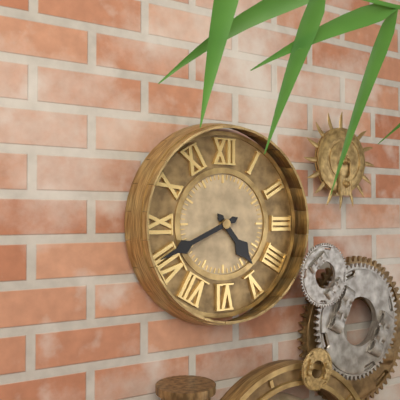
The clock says 4:41
